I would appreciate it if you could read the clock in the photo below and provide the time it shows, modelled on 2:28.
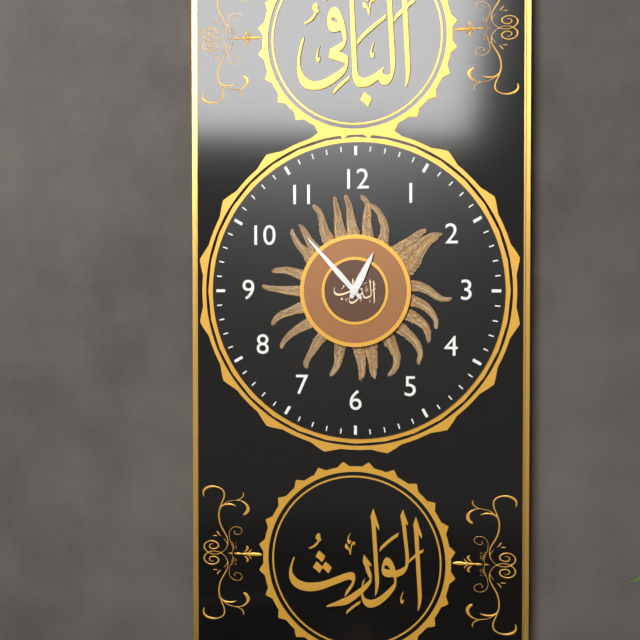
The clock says 12:53
